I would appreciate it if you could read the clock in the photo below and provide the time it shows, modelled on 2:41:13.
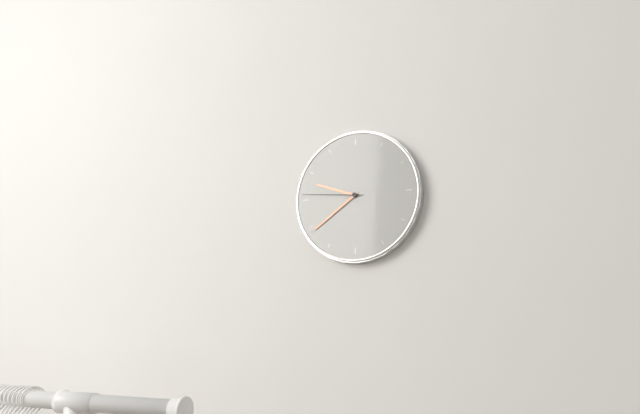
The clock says 9:39:46
